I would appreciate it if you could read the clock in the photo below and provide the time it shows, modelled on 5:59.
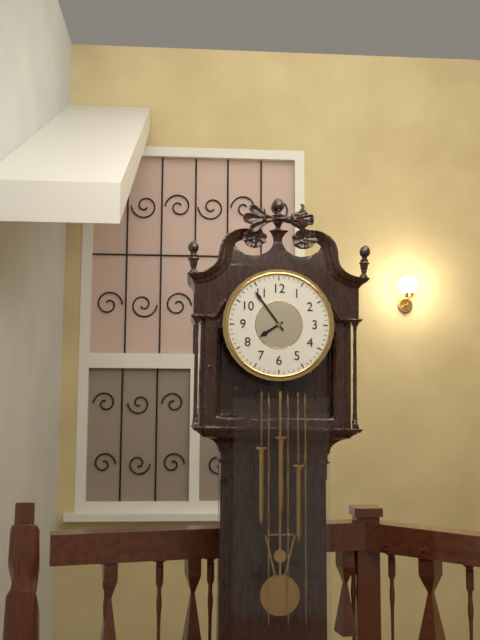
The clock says 7:54
